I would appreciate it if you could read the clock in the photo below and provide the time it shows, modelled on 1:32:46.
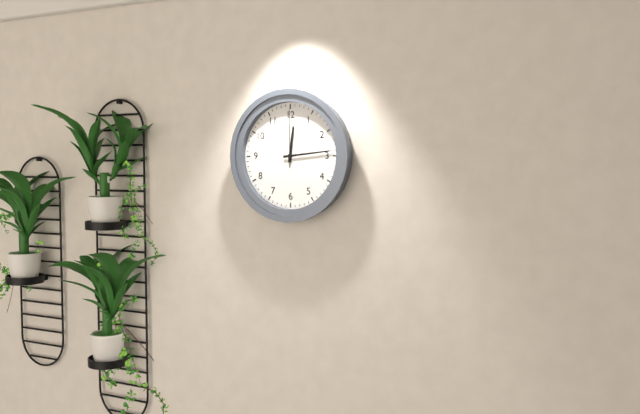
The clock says 12:14:00
